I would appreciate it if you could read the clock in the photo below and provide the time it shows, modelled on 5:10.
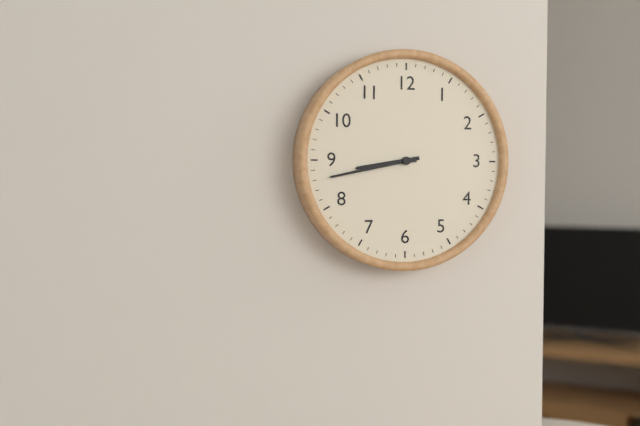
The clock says 8:43
